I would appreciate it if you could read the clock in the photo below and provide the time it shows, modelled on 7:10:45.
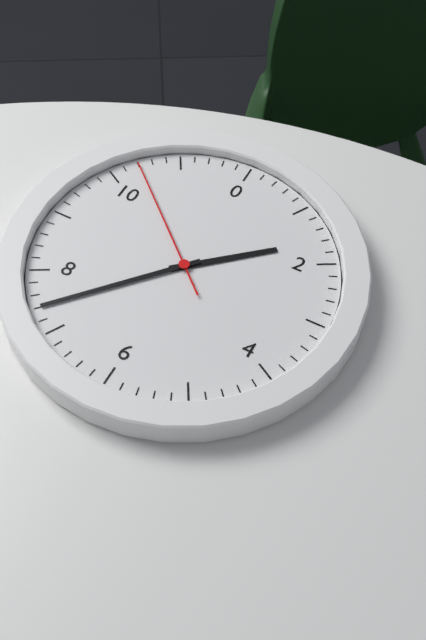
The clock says 1:37:52
